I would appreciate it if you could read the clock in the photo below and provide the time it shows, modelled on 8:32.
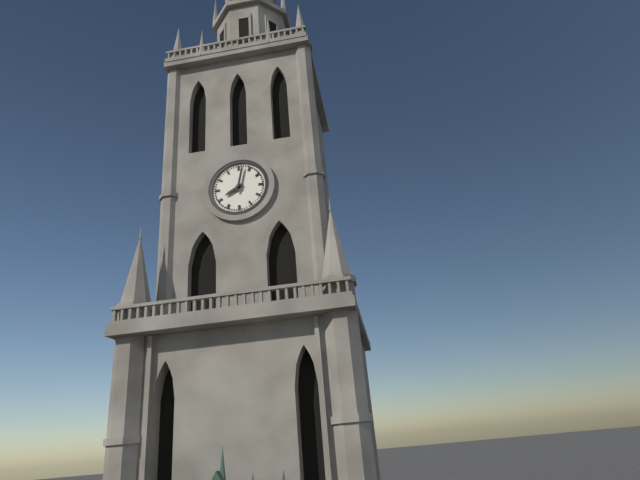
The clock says 8:02
